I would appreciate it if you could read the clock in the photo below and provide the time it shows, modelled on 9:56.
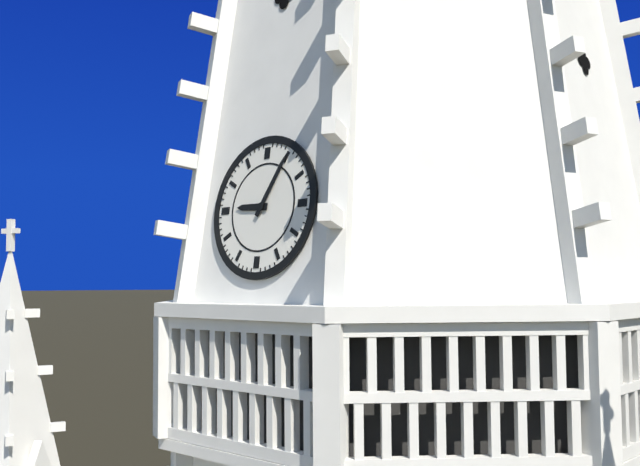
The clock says 9:05
